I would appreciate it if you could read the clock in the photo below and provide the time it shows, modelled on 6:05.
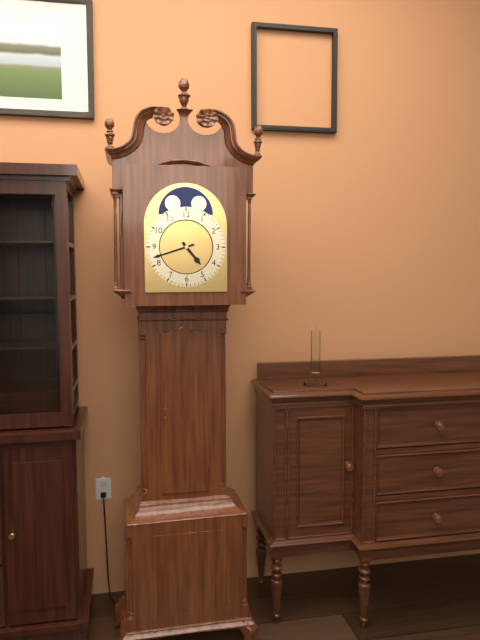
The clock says 4:42
